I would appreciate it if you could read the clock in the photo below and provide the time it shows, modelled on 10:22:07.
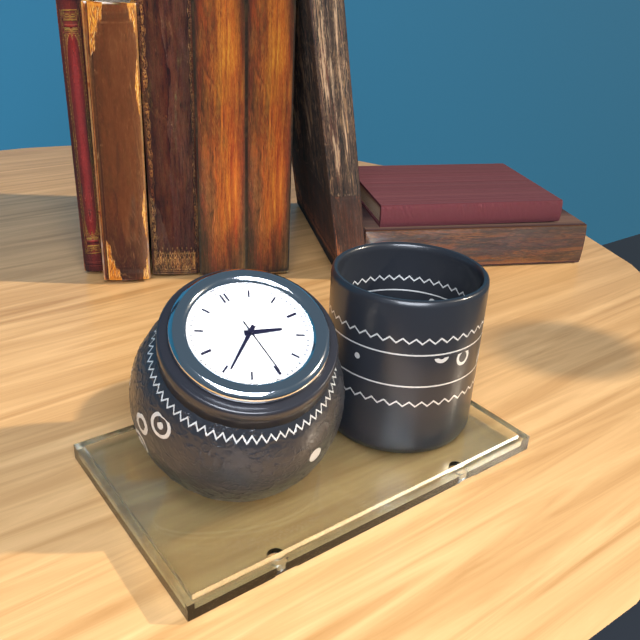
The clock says 3:39:30
